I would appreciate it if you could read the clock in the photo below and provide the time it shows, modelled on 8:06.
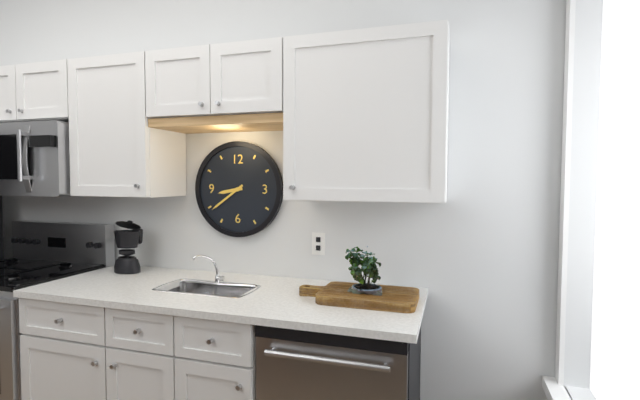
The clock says 8:39
